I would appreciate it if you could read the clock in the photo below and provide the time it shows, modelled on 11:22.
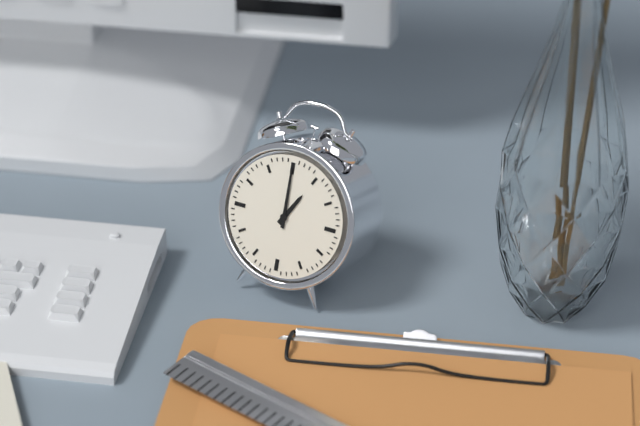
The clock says 1:00
